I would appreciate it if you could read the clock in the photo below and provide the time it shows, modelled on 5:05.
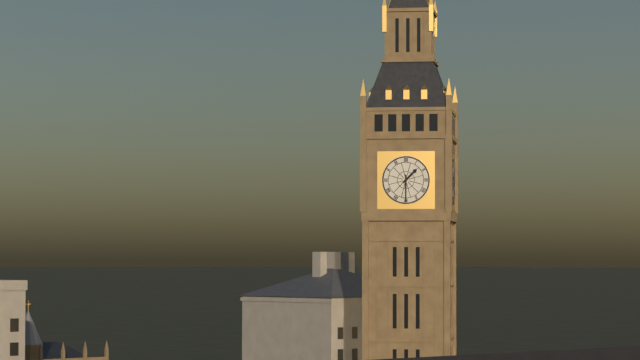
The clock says 1:30
